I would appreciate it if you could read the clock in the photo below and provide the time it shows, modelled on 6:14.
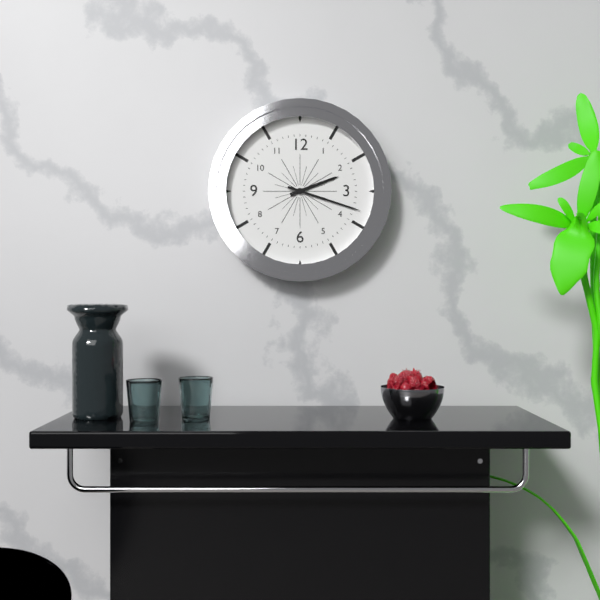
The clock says 2:18
